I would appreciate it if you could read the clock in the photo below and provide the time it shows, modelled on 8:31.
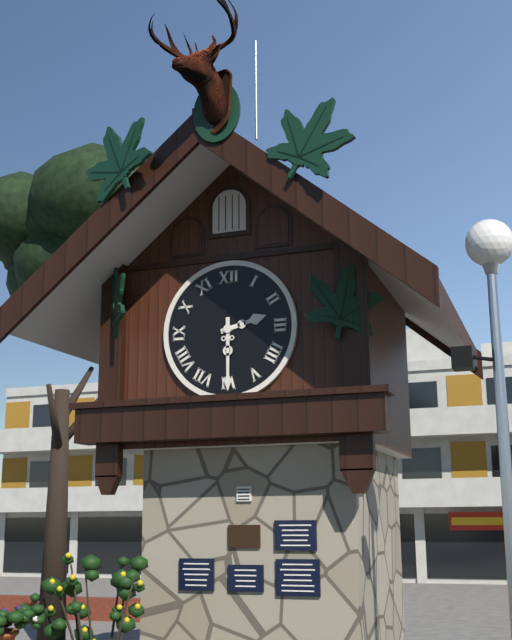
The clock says 2:30
